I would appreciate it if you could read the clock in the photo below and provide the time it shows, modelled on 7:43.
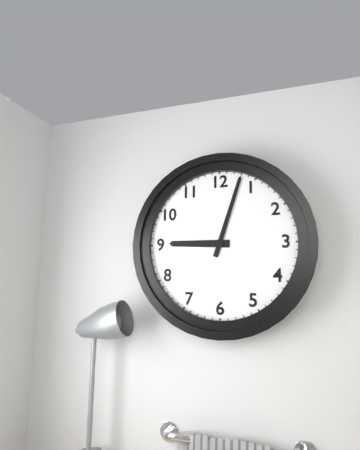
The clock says 9:03
